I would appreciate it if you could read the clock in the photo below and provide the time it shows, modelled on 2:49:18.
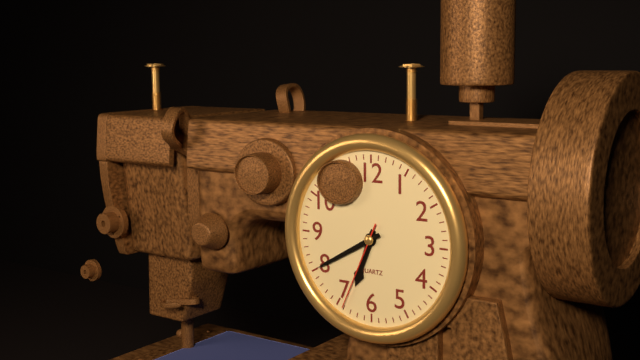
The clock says 6:40:34
